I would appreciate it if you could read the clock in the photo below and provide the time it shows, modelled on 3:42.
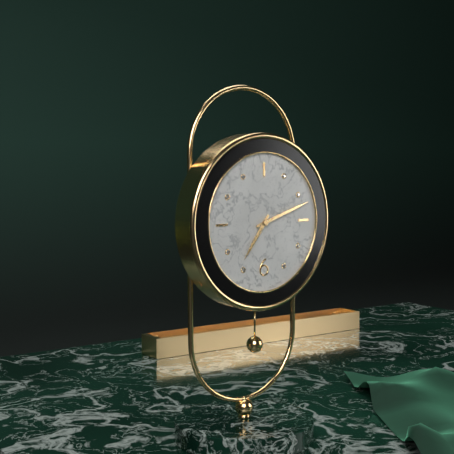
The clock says 7:12
